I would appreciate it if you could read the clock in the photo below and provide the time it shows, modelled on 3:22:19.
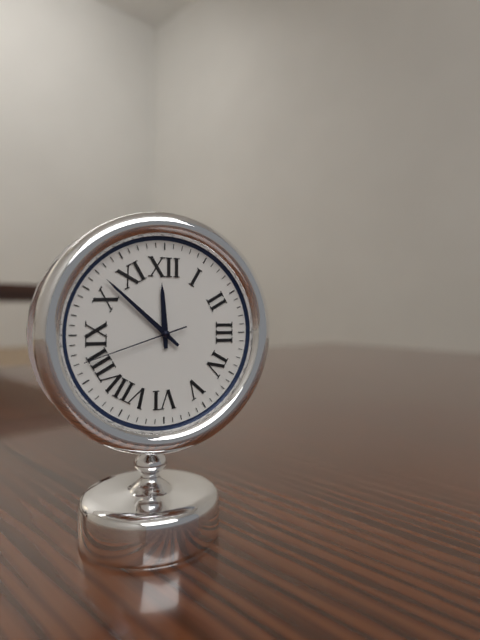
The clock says 11:52:42
